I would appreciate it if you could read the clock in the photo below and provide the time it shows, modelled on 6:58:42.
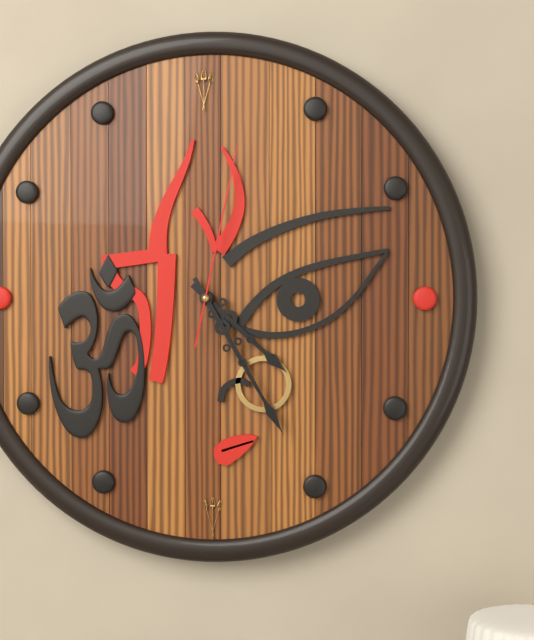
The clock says 4:25:02
